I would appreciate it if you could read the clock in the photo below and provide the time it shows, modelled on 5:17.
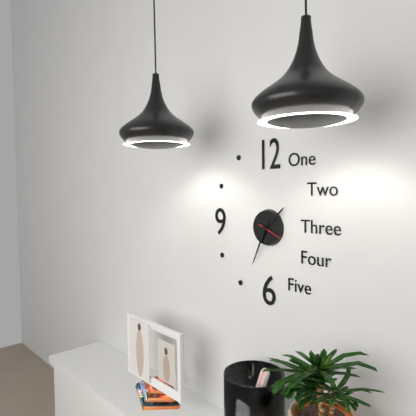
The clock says 1:34
